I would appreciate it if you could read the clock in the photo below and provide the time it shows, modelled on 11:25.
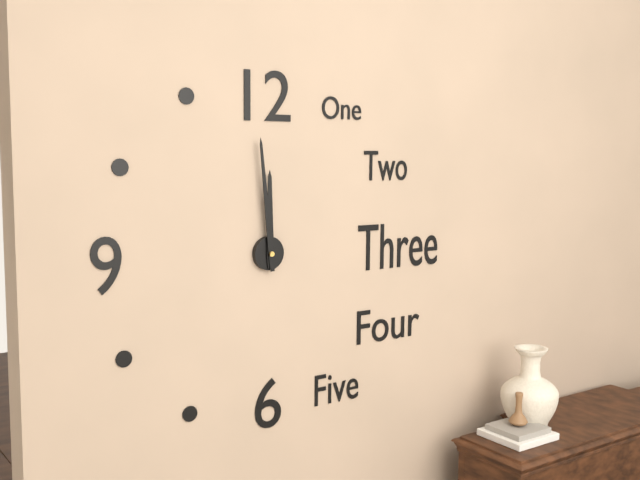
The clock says 11:59
